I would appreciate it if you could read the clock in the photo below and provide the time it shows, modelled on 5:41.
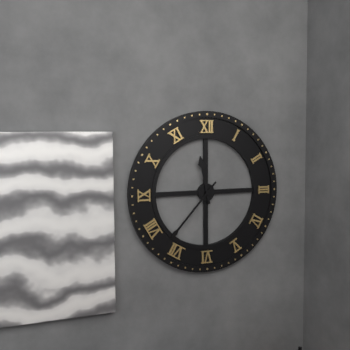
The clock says 11:37
